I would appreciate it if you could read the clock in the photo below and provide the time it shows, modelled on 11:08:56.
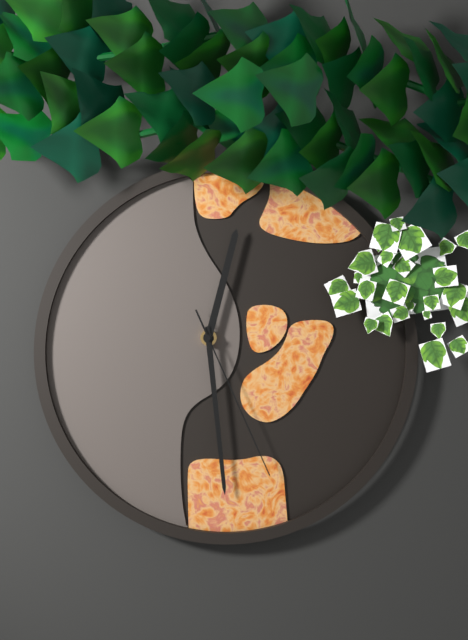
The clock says 12:29:26
